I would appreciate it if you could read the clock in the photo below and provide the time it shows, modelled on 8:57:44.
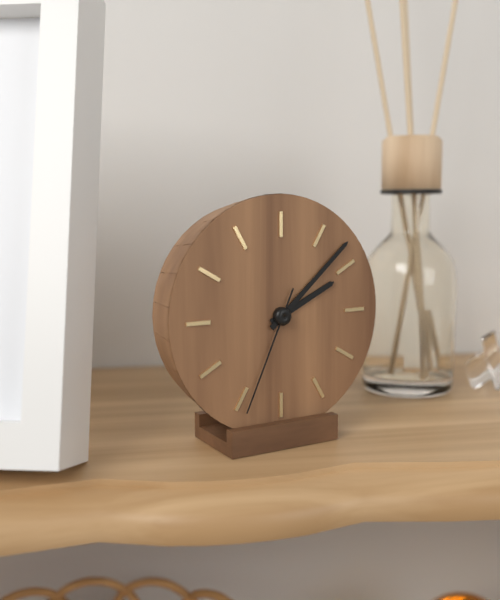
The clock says 2:08:34
